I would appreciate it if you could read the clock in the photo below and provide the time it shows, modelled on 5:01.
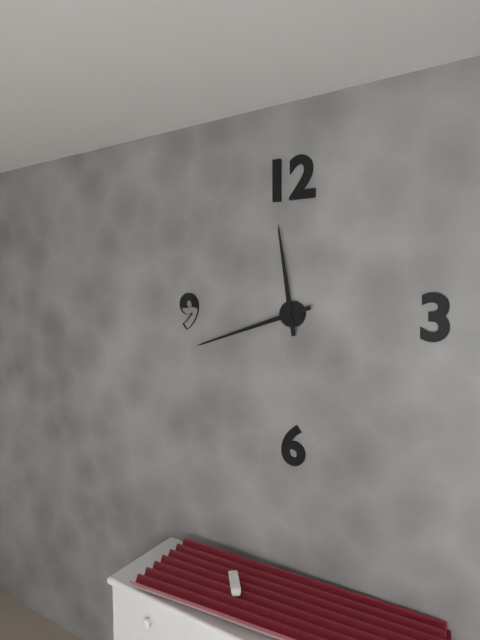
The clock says 11:42
